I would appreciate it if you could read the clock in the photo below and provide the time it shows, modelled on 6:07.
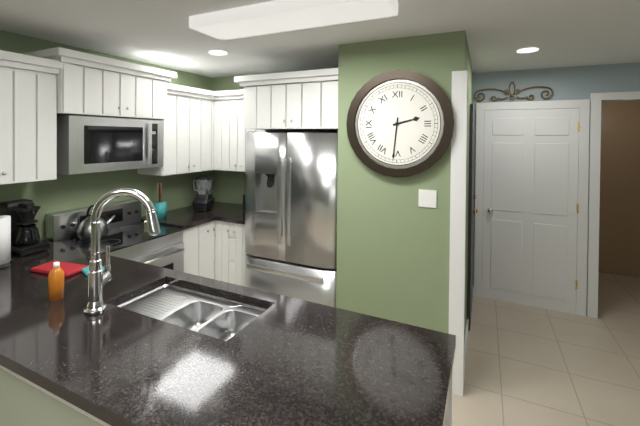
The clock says 2:31
